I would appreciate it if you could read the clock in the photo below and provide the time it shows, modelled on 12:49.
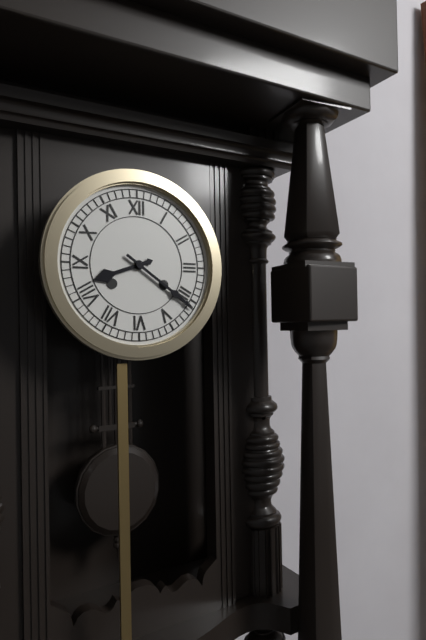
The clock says 8:21
